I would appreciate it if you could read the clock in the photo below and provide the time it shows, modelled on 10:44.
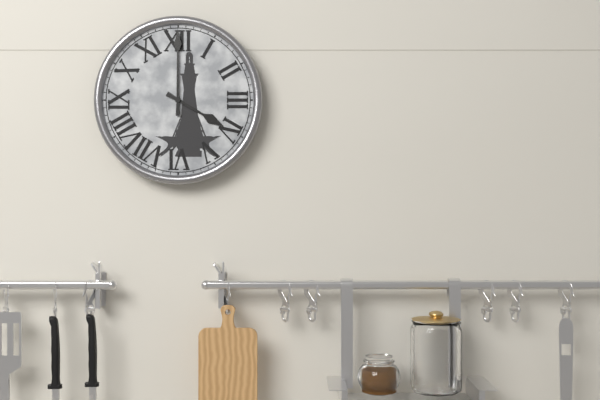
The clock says 4:00
